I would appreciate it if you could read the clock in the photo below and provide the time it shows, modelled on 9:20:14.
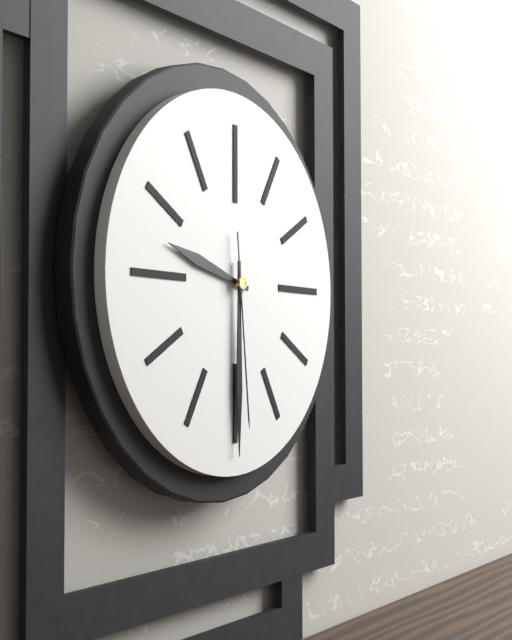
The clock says 9:30:29
